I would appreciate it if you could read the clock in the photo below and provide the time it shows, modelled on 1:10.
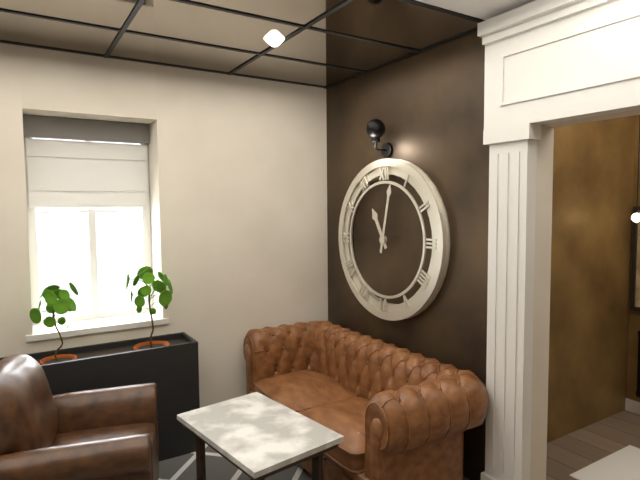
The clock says 11:02
